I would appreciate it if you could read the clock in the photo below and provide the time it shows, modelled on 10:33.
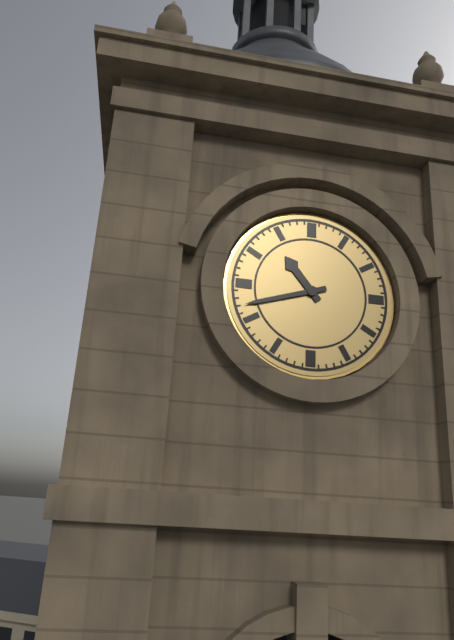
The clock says 10:42
